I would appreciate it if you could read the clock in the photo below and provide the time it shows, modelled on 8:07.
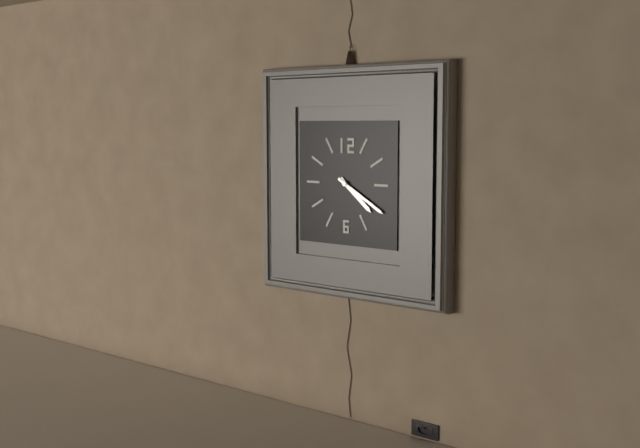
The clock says 4:20
